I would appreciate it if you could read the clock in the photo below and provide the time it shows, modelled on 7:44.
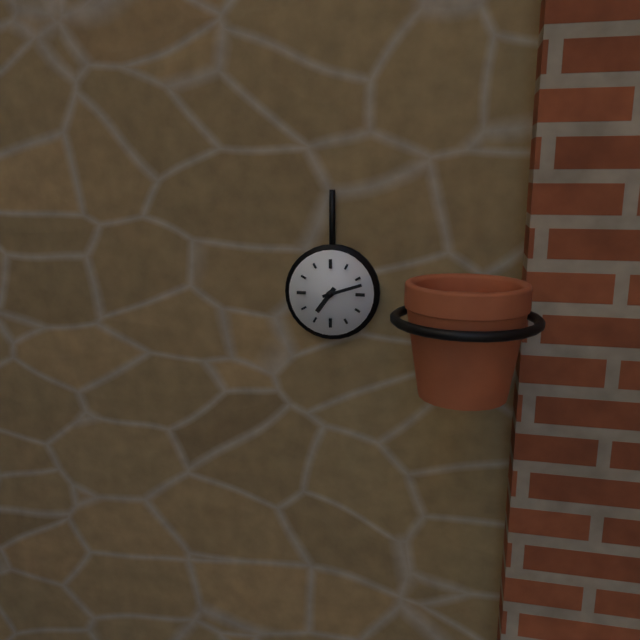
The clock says 7:12
